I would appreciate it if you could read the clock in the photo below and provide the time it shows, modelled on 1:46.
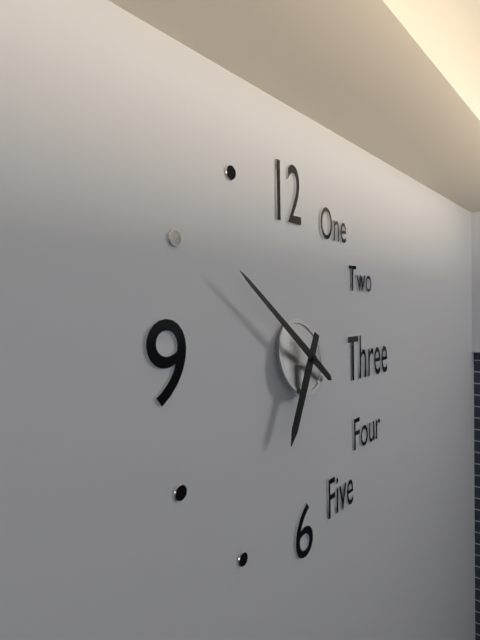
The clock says 6:51
